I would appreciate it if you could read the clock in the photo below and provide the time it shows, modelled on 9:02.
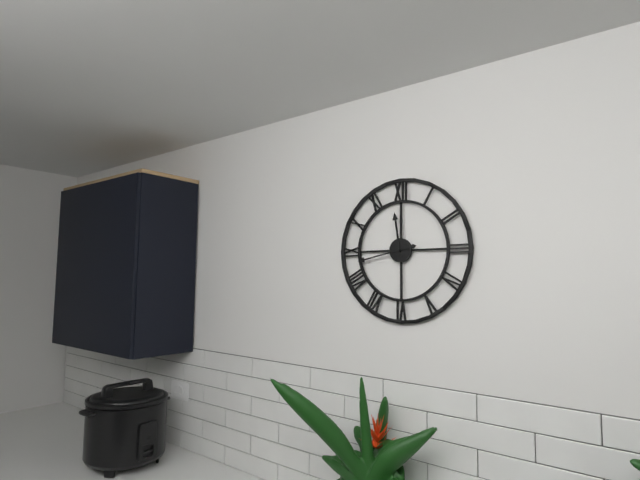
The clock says 11:43
